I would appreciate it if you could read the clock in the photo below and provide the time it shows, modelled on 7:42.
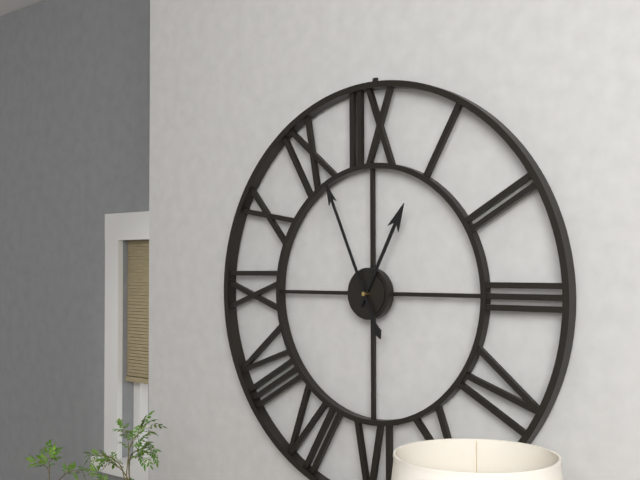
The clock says 12:56
